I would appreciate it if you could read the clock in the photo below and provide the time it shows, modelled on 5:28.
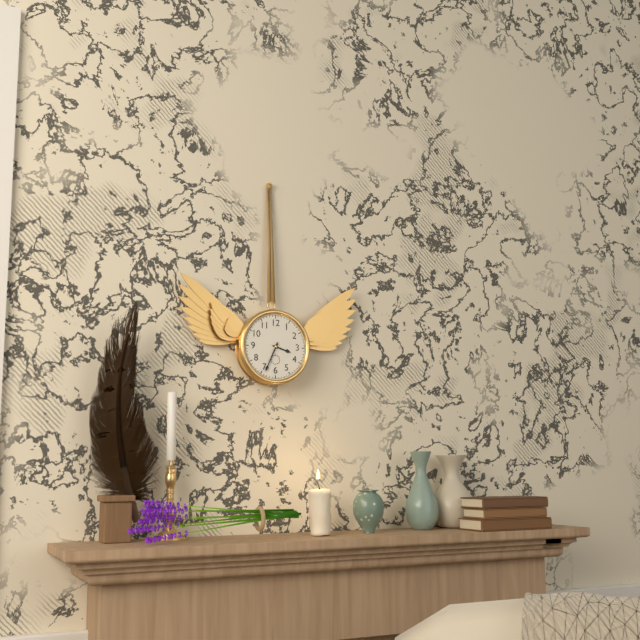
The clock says 3:34
